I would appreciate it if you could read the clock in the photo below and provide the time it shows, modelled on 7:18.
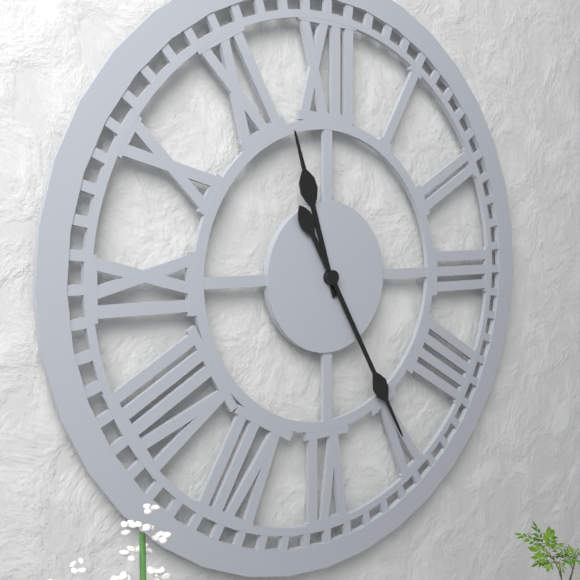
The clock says 11:25
